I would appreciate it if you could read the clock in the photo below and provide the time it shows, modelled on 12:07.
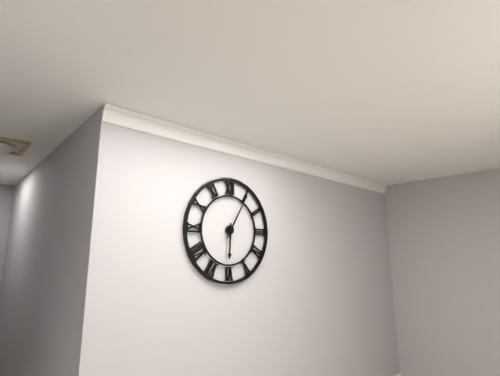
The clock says 6:05
